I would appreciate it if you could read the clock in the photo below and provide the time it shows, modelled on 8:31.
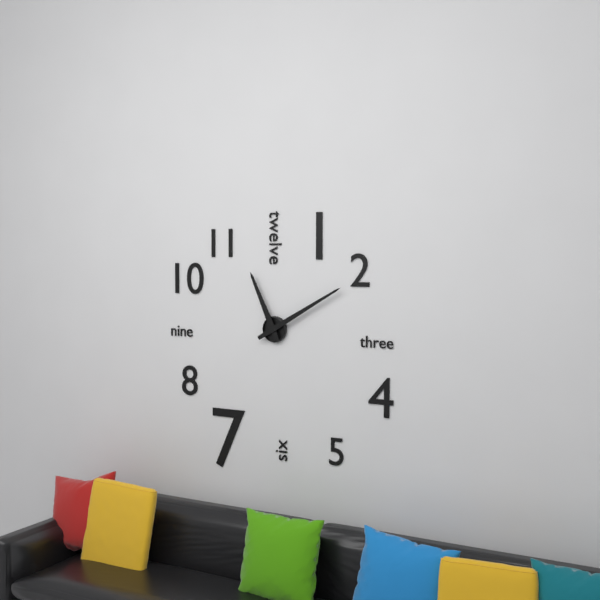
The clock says 11:10
